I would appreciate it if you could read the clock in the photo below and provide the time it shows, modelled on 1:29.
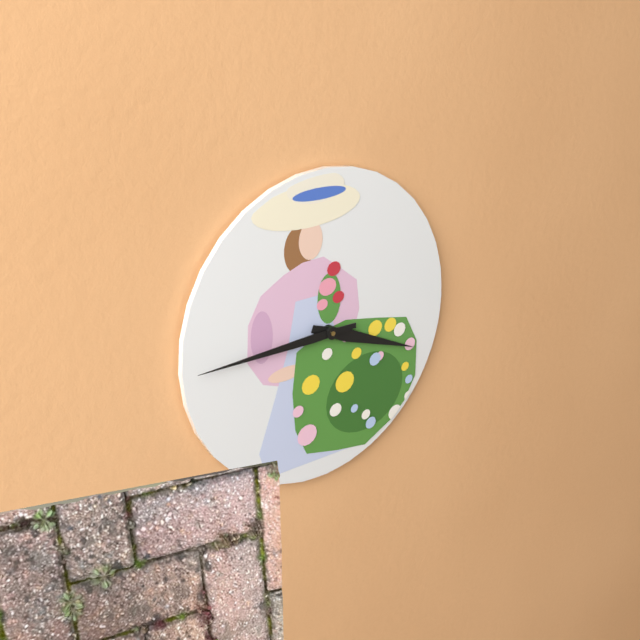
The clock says 3:45
